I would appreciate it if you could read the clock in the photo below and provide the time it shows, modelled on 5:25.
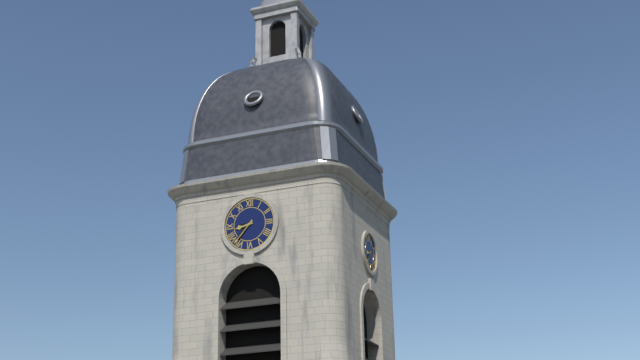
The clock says 8:37
